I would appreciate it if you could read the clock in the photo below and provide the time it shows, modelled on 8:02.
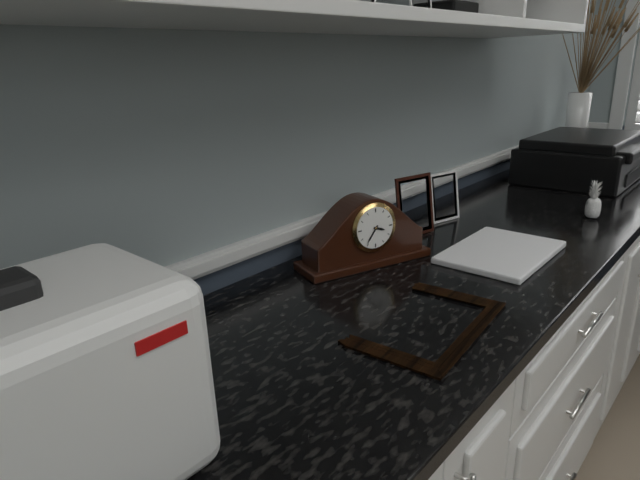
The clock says 3:36
